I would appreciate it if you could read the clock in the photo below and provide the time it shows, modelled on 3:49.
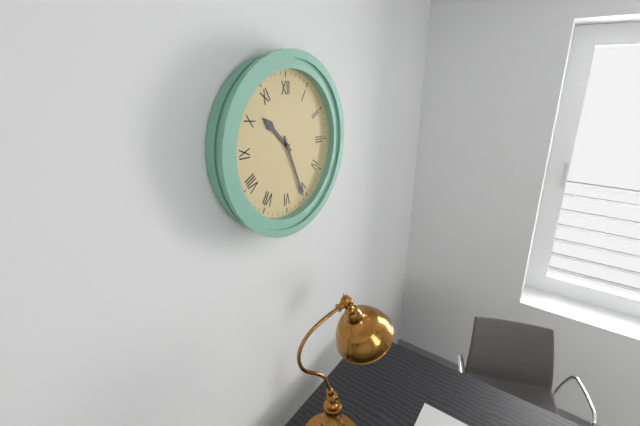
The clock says 10:26
